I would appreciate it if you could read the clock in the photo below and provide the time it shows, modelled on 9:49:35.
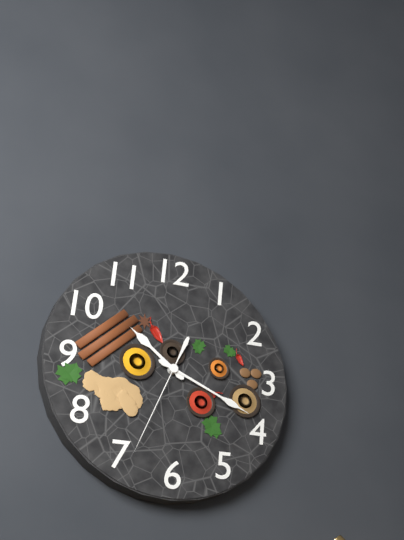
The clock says 10:19:34
